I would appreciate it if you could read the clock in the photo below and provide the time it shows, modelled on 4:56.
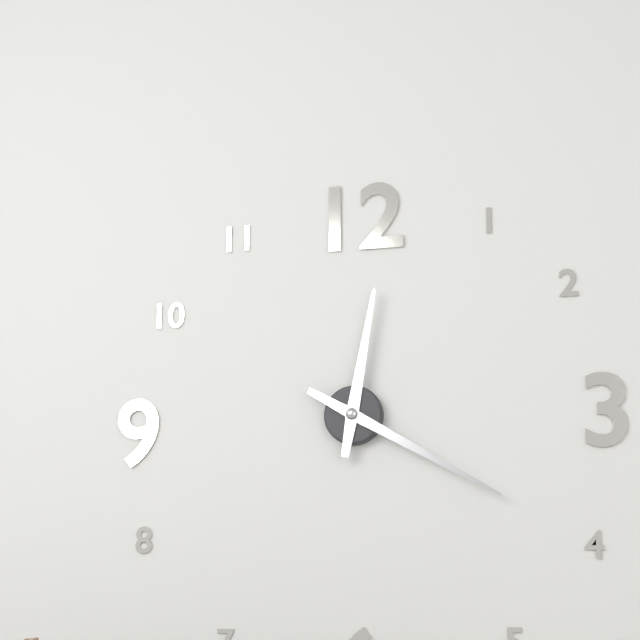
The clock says 12:20
